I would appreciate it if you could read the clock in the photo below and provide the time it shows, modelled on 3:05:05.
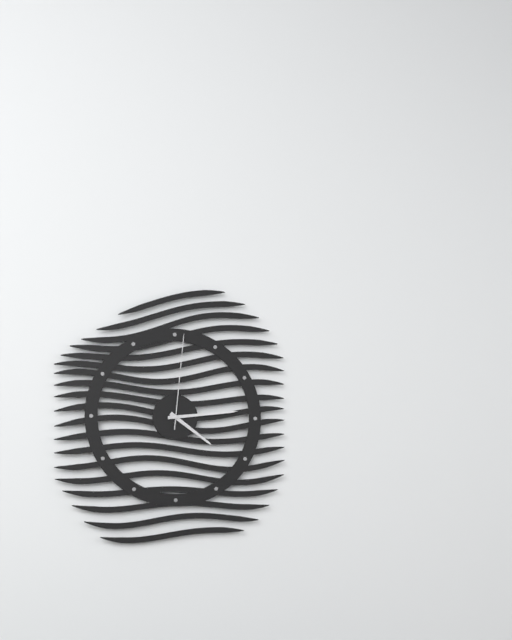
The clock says 4:14:01
